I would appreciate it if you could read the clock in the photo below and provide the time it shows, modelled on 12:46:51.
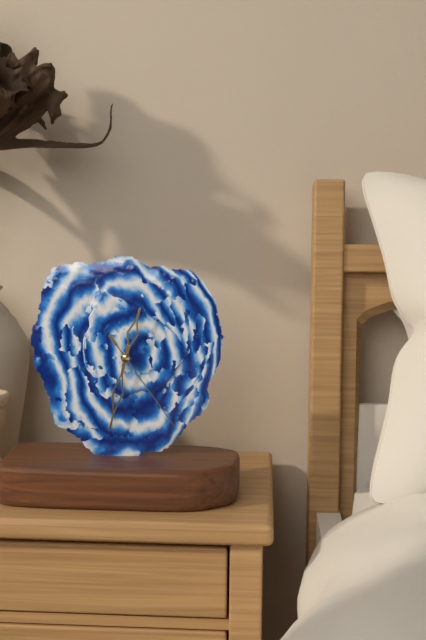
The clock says 12:32:24
